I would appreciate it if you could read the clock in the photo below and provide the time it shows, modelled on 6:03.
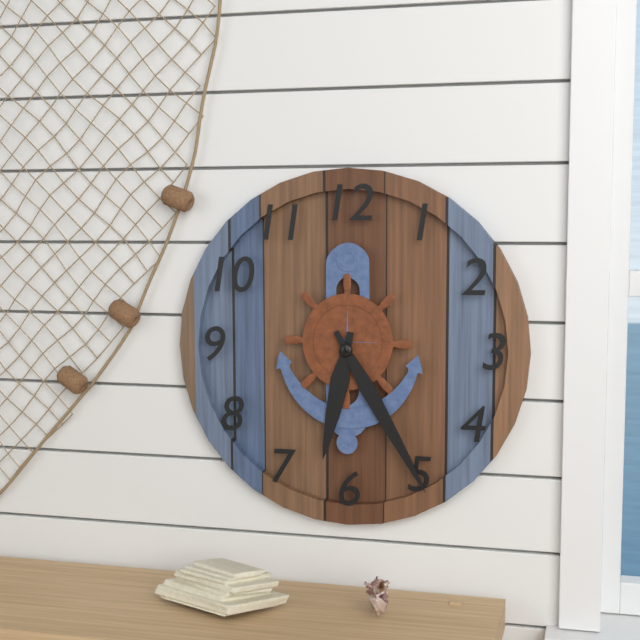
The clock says 6:25
